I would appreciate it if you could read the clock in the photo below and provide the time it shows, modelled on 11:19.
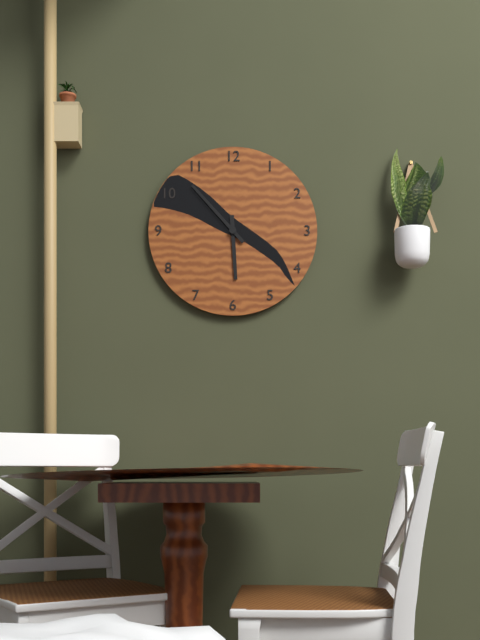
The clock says 5:53
